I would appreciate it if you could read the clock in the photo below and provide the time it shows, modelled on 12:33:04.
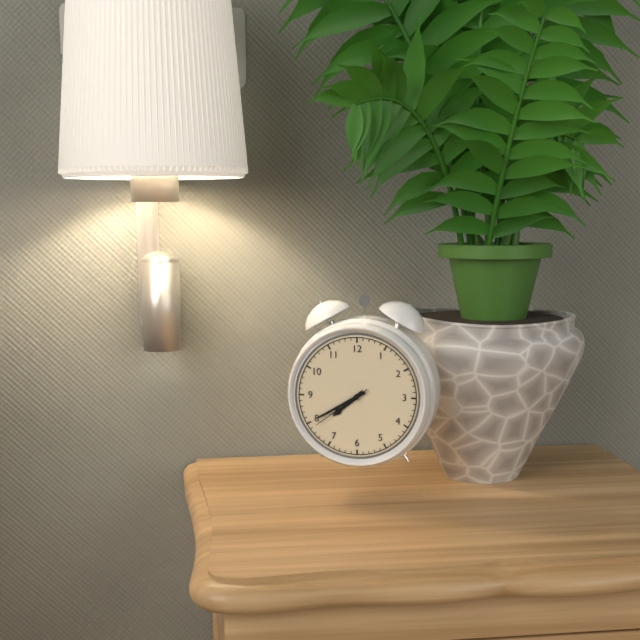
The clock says 7:40:39
